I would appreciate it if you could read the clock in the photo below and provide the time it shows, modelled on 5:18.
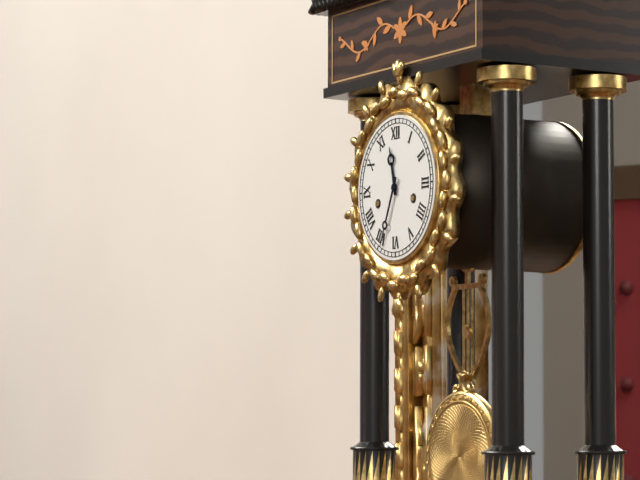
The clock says 11:34
